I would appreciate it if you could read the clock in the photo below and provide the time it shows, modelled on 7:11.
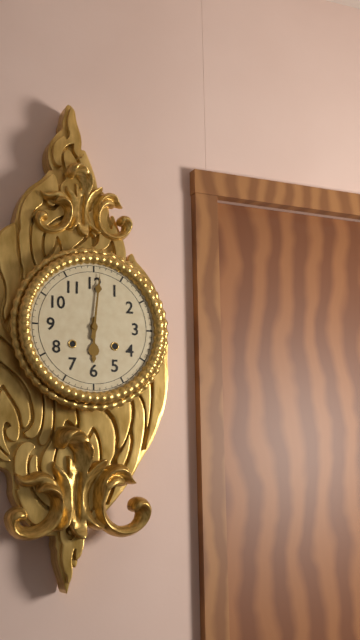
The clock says 6:01
